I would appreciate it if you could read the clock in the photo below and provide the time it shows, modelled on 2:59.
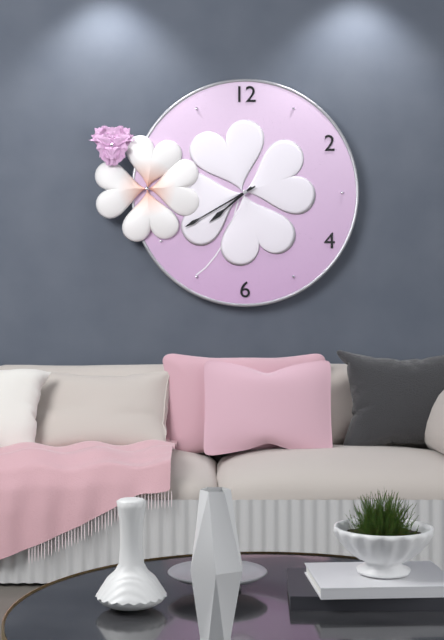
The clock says 7:40
